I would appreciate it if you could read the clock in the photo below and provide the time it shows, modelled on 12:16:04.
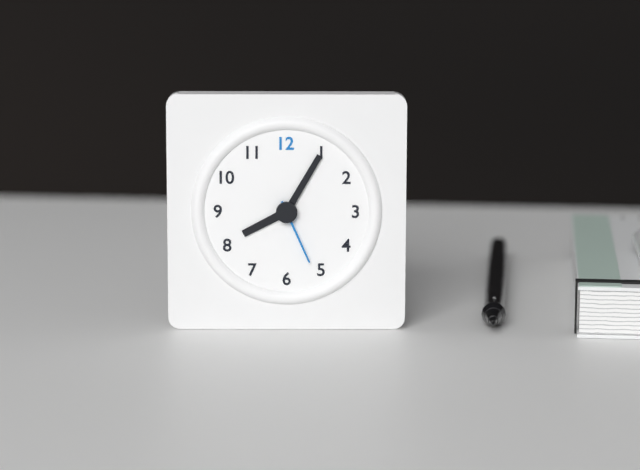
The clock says 8:05:26
